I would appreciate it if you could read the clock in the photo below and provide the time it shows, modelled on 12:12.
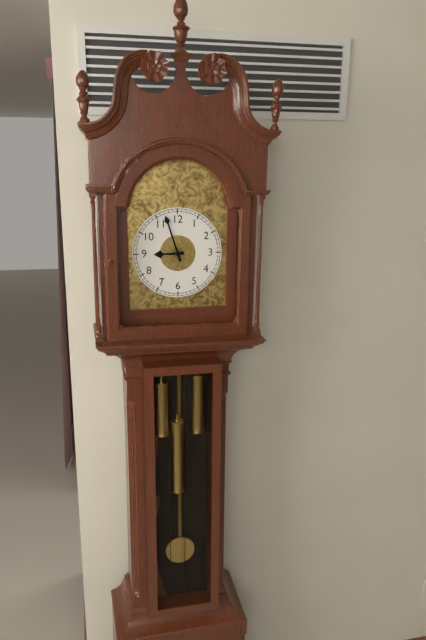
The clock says 8:57
